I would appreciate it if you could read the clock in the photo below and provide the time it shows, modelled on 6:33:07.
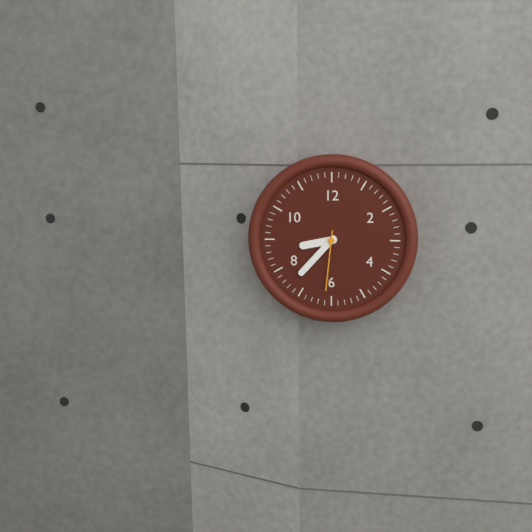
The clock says 8:37:31
